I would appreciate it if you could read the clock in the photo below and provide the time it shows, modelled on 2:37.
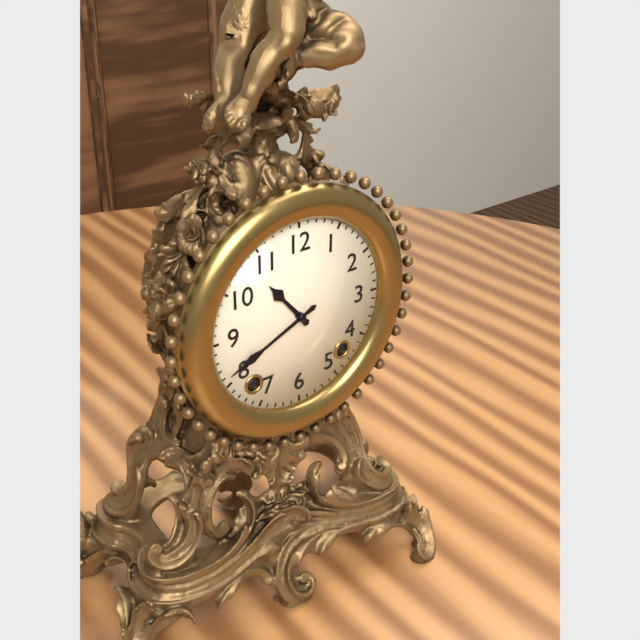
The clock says 10:41
